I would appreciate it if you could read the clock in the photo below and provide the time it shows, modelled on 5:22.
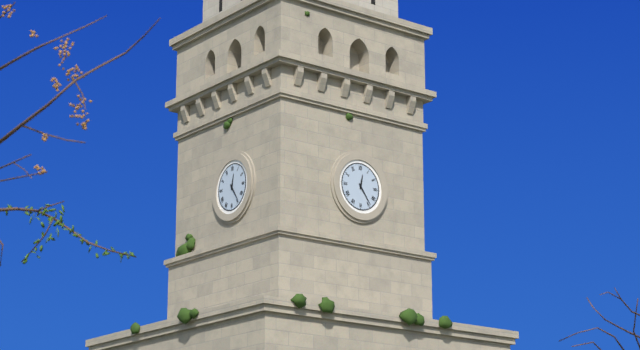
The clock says 12:24
